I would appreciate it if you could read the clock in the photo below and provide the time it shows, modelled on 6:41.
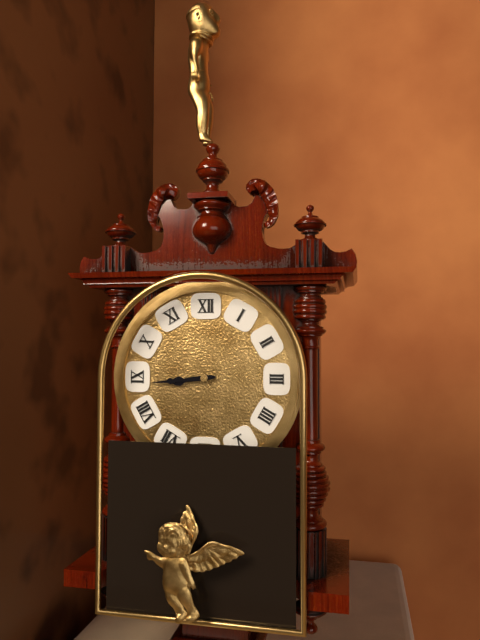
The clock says 8:44
